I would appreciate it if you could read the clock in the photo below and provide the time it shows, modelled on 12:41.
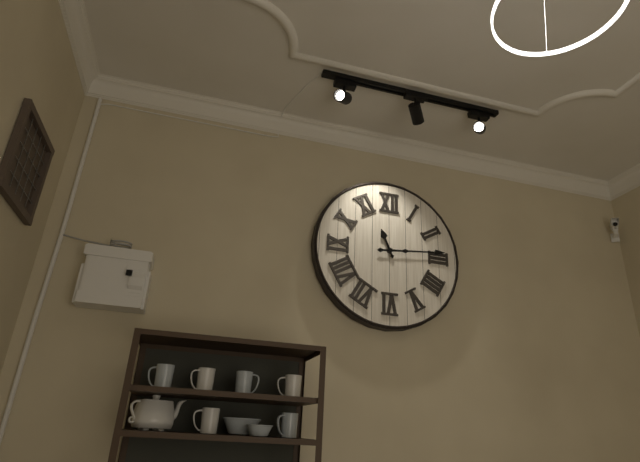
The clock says 11:14
